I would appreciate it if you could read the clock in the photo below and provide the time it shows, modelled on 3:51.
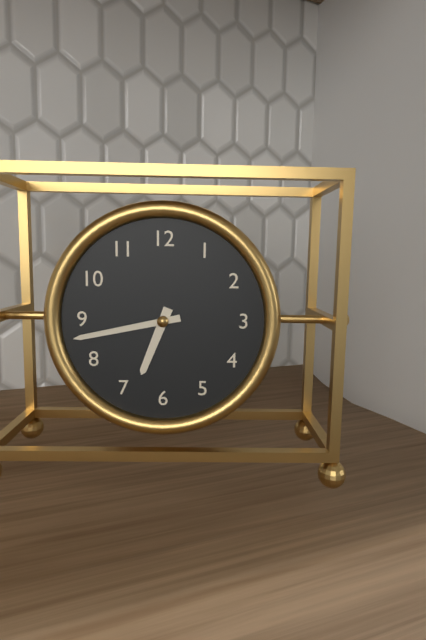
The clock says 6:43
